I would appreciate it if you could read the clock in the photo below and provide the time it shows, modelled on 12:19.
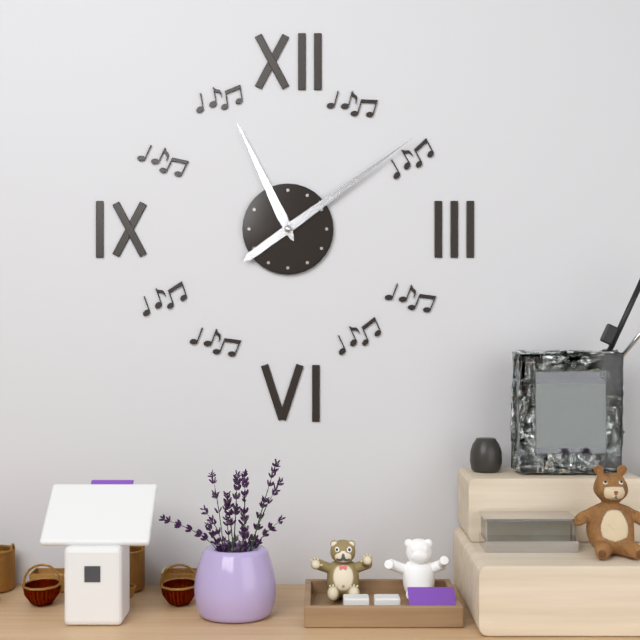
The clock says 11:09
